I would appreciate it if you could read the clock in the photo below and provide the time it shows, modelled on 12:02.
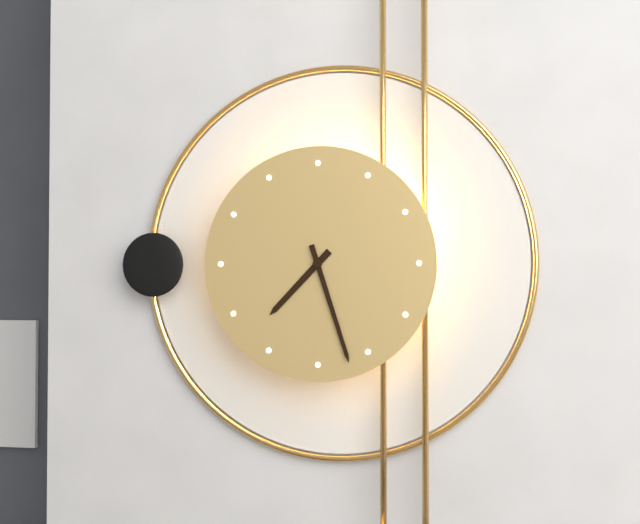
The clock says 7:27
